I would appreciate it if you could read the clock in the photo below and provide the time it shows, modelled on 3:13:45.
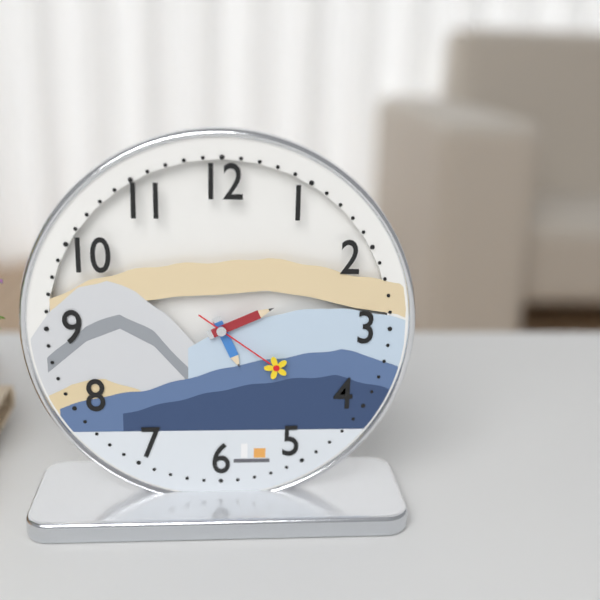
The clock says 5:11:21
